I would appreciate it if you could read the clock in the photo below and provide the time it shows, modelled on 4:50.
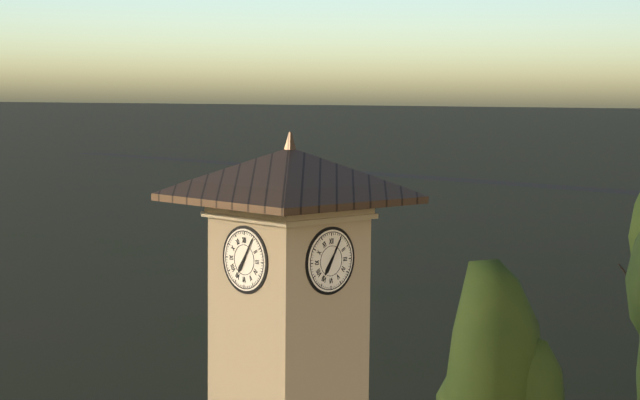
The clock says 7:05
